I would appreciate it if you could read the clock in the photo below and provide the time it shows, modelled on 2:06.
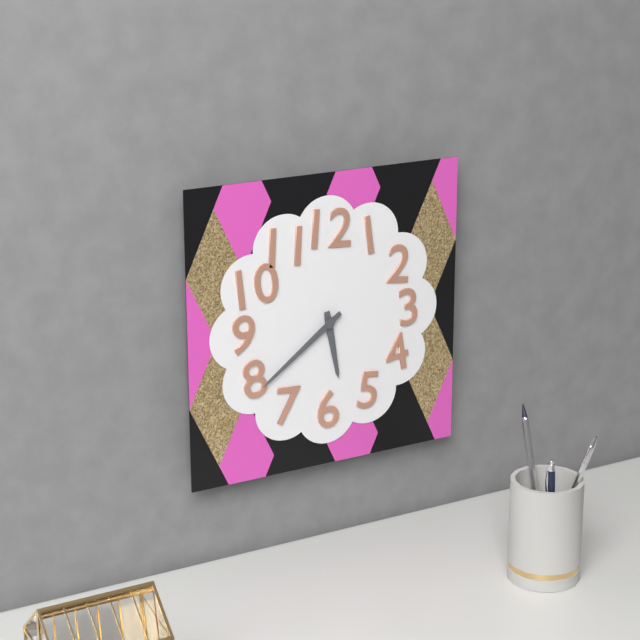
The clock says 5:39
